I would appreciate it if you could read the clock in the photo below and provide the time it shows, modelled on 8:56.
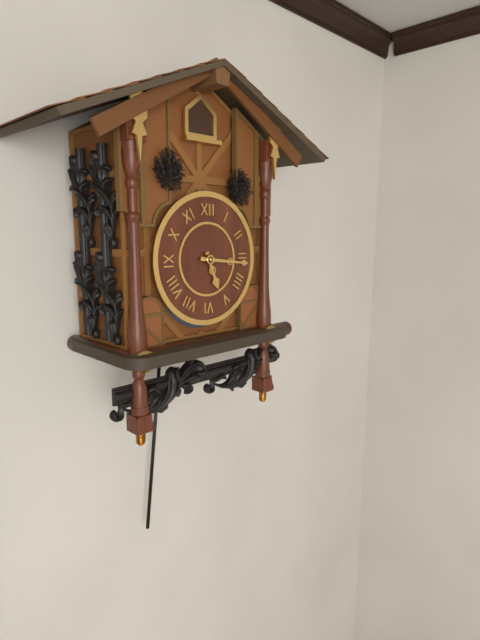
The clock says 5:16
